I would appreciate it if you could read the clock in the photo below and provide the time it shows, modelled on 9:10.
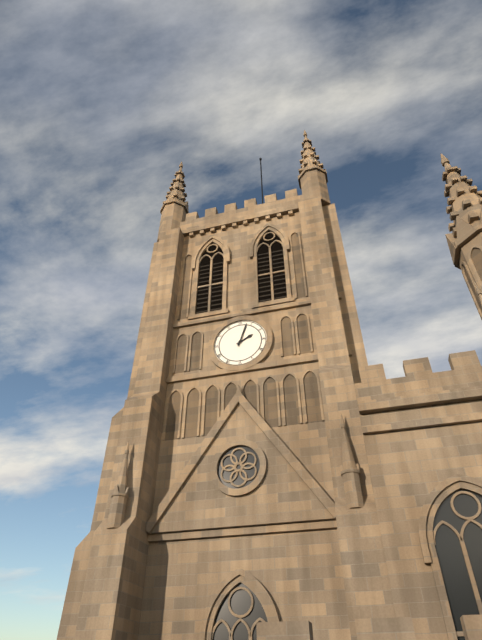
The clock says 2:03
